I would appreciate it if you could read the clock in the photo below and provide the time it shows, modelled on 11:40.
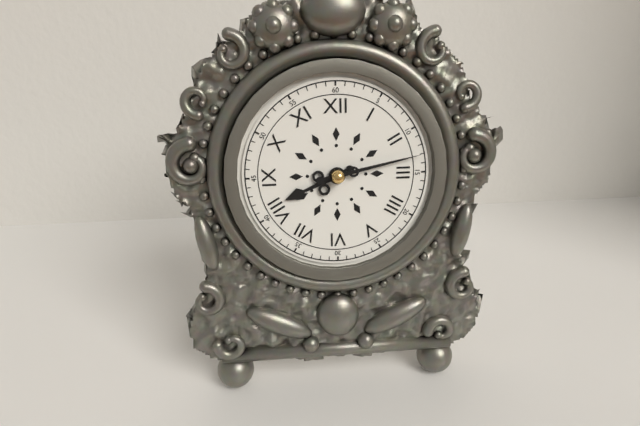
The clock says 8:13
